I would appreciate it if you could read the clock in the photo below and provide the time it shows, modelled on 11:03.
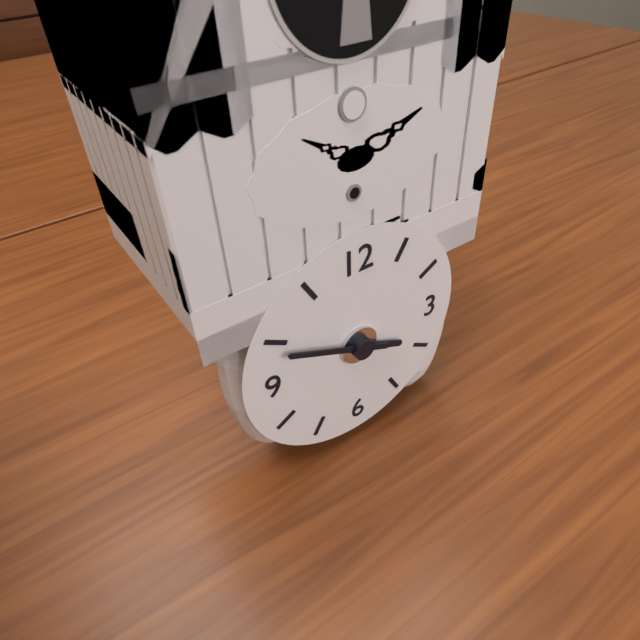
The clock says 3:49
